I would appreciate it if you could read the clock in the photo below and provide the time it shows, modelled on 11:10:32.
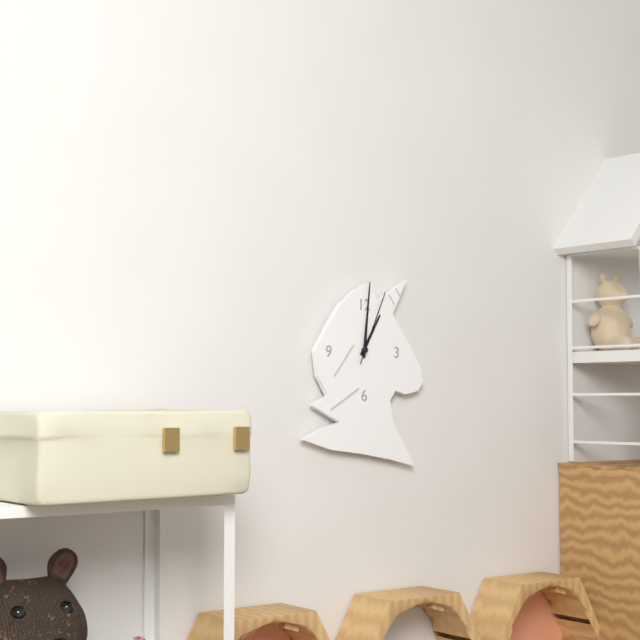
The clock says 1:01:04
